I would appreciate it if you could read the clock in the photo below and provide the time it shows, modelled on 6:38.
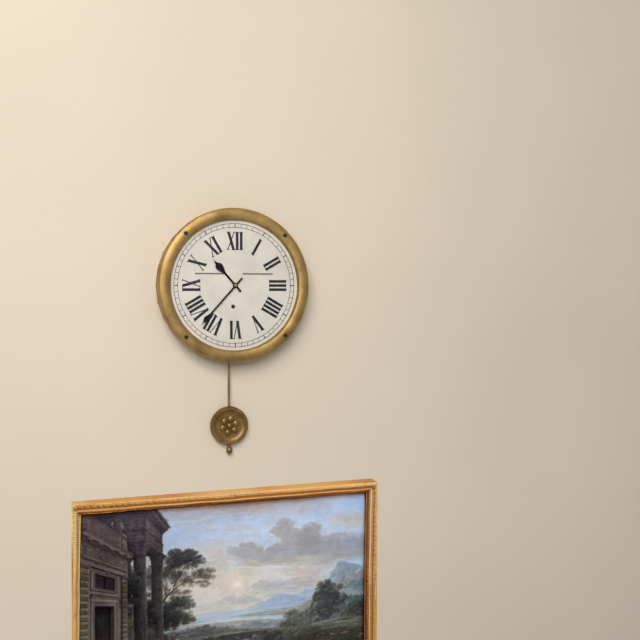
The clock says 10:37
